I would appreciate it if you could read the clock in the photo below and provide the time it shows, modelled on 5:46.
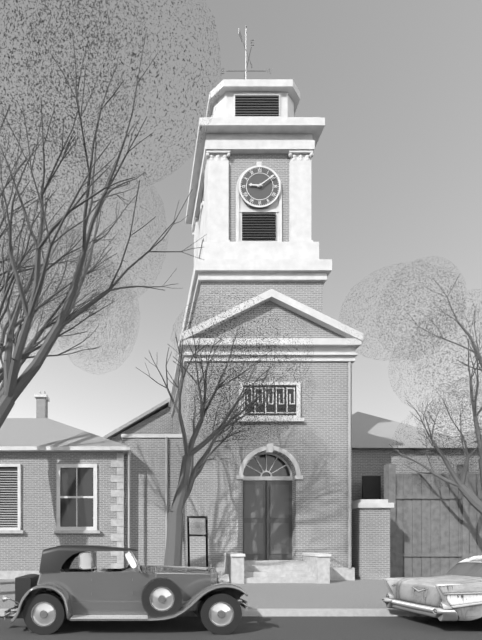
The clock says 9:09
